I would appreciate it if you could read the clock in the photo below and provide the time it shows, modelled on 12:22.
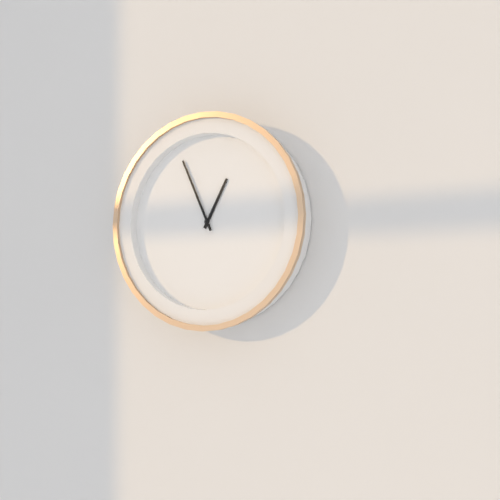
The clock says 12:56
